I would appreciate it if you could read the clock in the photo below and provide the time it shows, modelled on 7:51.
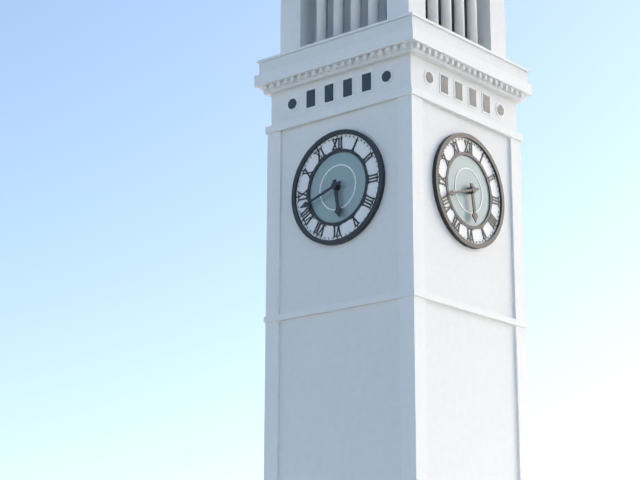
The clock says 5:42
